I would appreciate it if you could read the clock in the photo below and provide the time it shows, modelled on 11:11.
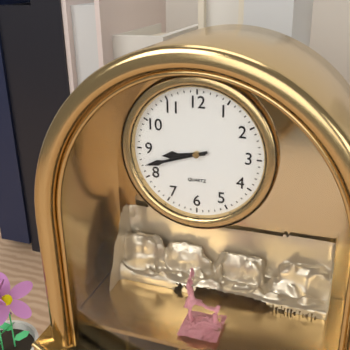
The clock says 8:42
